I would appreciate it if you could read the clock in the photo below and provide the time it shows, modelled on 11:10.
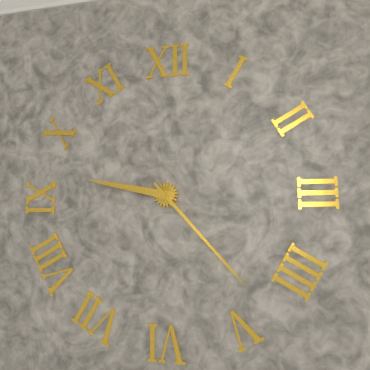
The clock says 9:23
